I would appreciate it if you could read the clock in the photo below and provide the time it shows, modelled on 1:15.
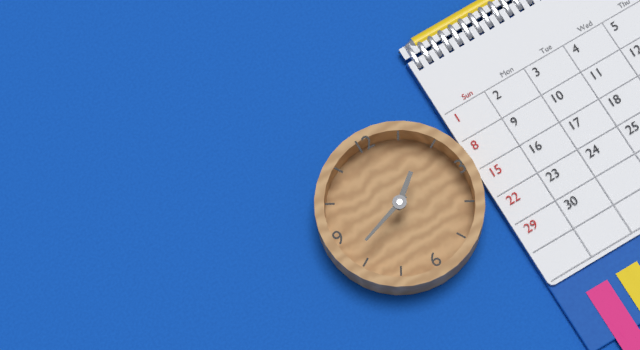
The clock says 1:42
